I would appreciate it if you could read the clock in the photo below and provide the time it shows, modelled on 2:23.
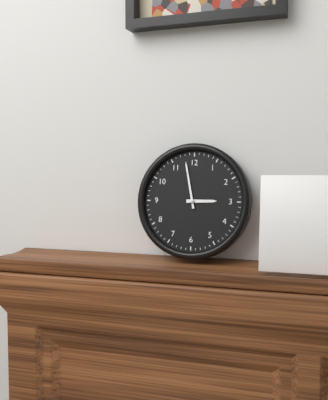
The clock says 2:58
